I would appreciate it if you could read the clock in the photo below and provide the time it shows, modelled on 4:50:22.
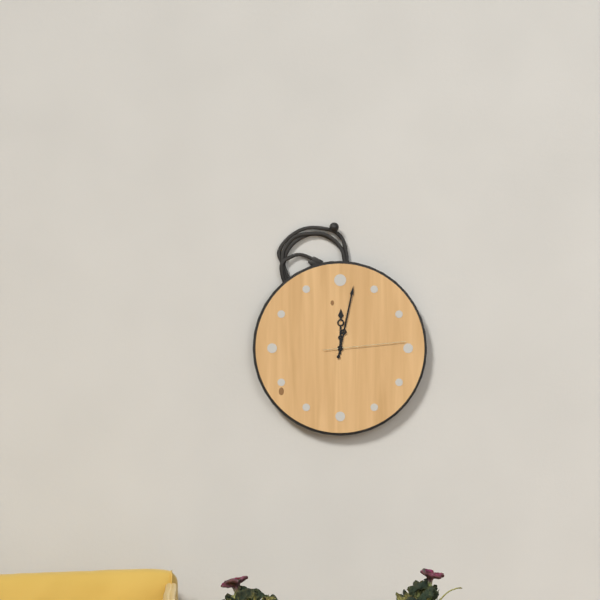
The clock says 12:02:14
